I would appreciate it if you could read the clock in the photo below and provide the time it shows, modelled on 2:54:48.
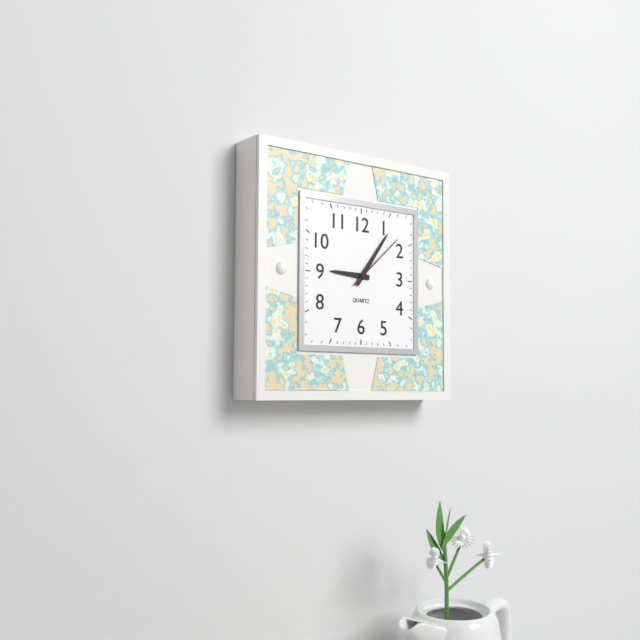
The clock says 9:06:08
